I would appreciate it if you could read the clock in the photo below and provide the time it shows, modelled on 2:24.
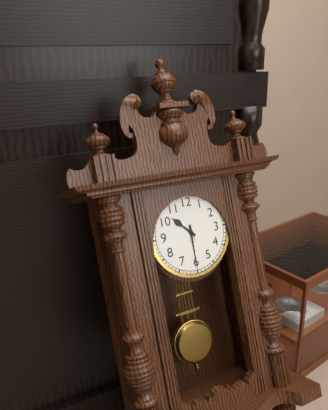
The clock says 10:30
